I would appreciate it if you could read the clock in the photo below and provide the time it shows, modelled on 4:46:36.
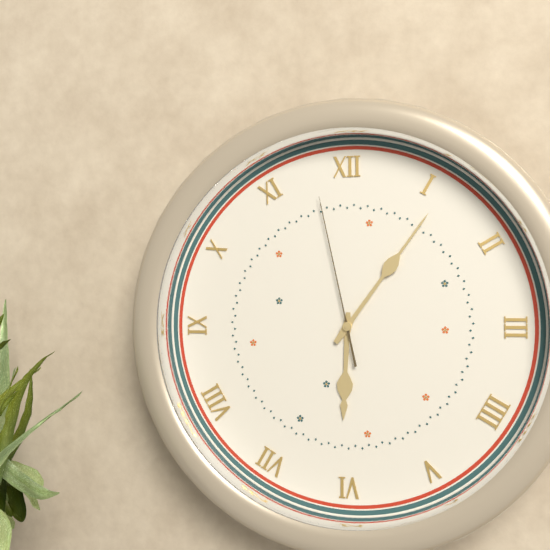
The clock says 6:06:58
